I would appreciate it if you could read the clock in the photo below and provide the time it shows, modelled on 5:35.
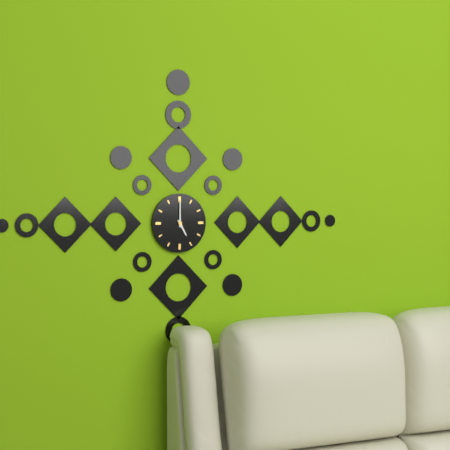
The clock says 5:00
